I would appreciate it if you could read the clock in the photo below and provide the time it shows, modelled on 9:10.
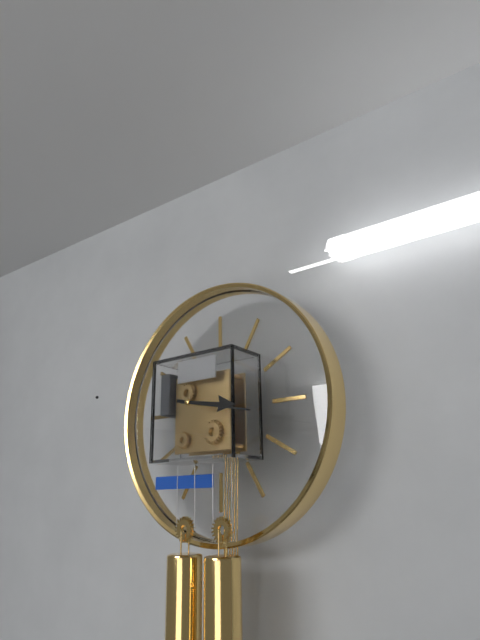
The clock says 3:17
